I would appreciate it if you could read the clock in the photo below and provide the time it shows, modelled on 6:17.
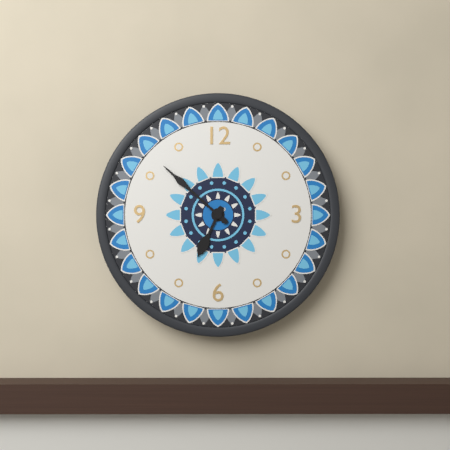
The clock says 6:52
